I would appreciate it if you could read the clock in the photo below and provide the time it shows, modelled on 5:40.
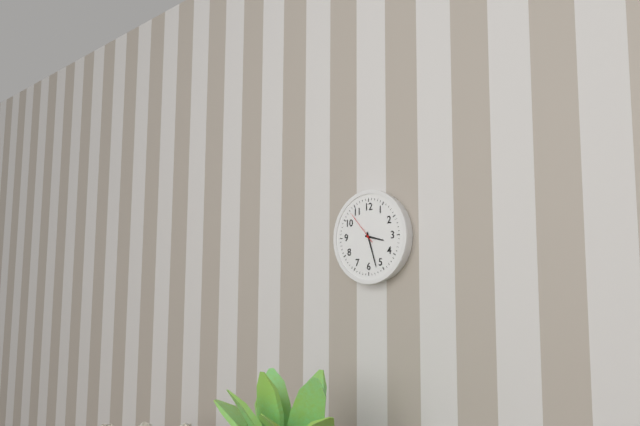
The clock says 3:27
